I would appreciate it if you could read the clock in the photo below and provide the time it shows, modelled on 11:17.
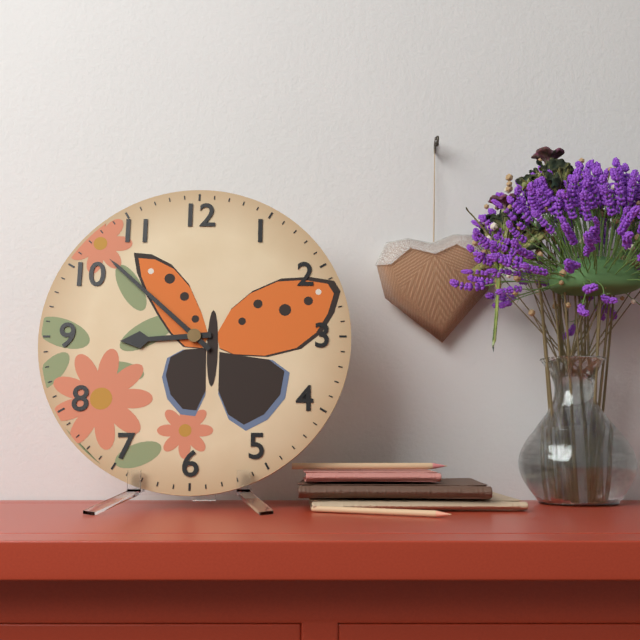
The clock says 8:52
